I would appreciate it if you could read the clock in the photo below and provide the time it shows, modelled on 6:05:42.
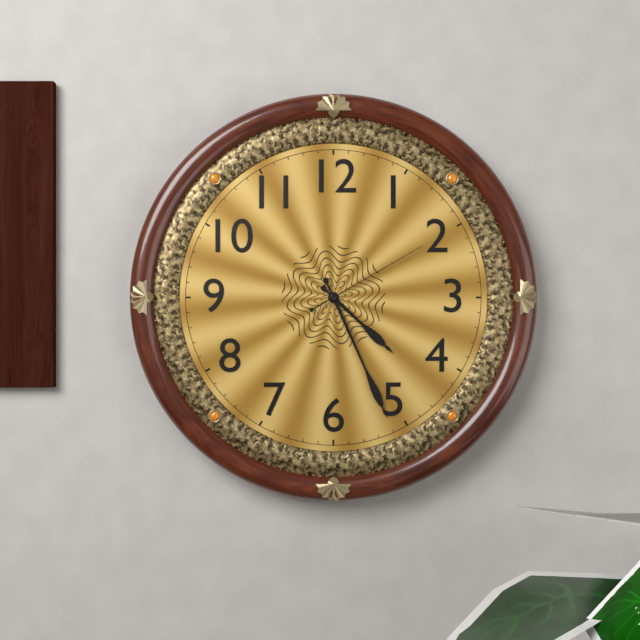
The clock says 4:26:10
